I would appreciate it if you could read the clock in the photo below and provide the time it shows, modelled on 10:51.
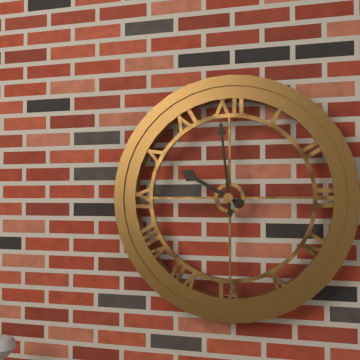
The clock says 9:59
